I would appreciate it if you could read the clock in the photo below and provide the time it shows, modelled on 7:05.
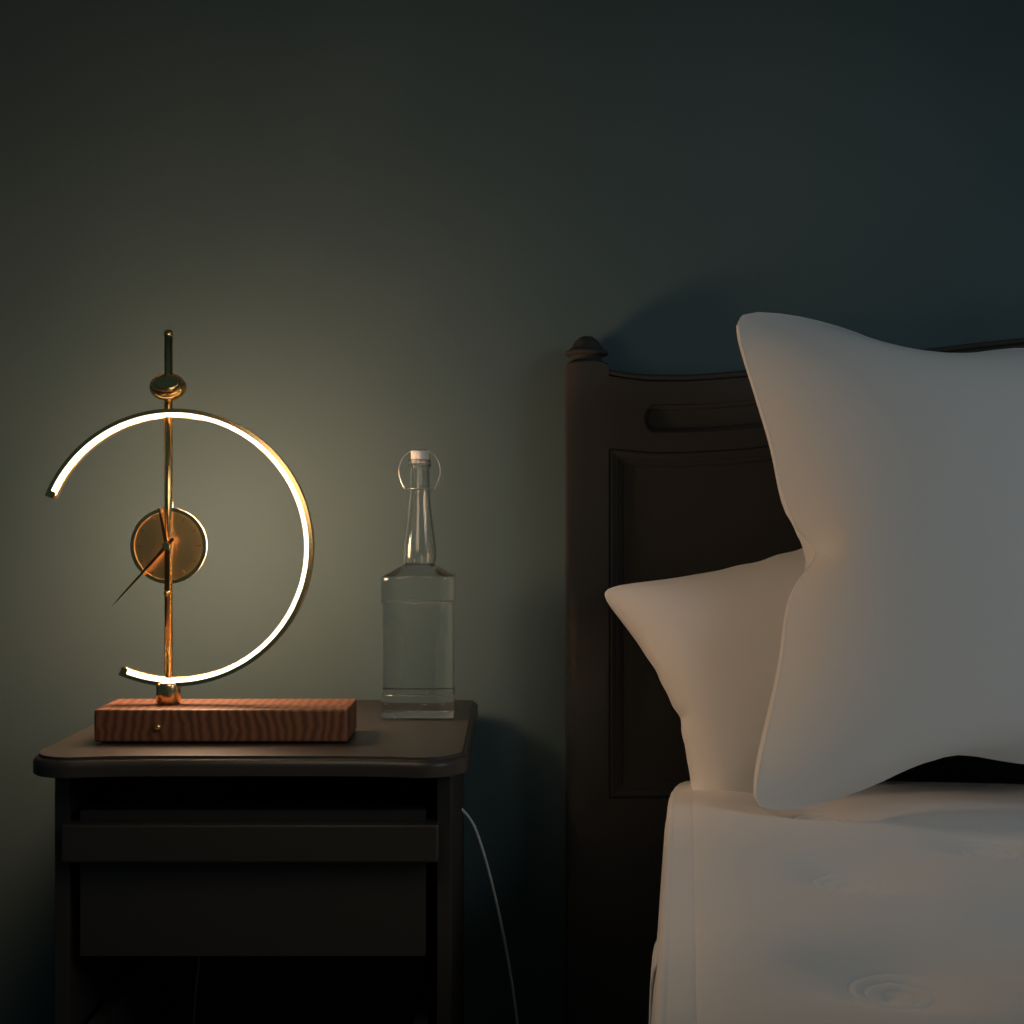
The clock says 11:37
